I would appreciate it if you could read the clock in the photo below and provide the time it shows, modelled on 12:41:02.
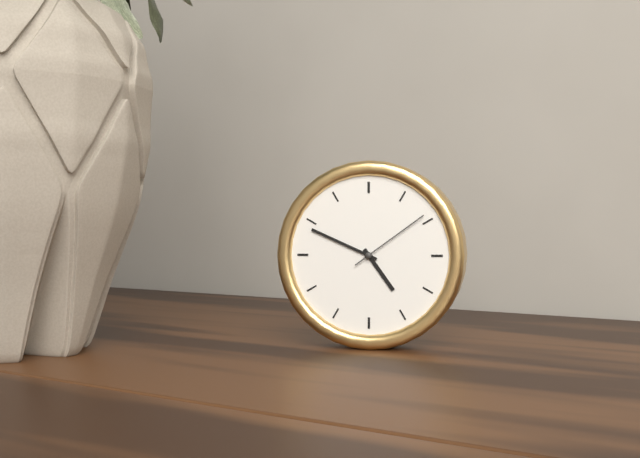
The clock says 4:49:09
